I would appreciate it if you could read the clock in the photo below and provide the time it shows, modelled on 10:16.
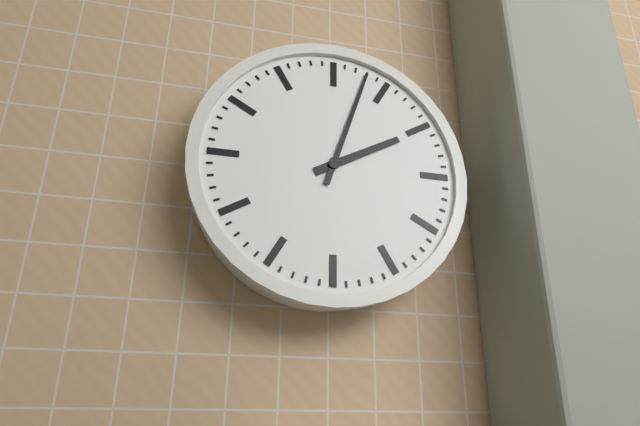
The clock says 2:03
